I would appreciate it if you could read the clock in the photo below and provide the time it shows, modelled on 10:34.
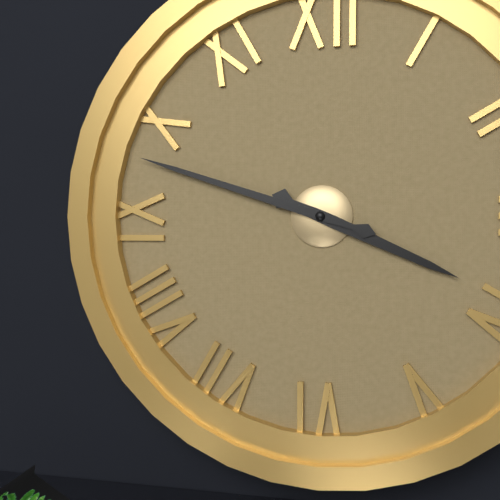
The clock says 3:48
